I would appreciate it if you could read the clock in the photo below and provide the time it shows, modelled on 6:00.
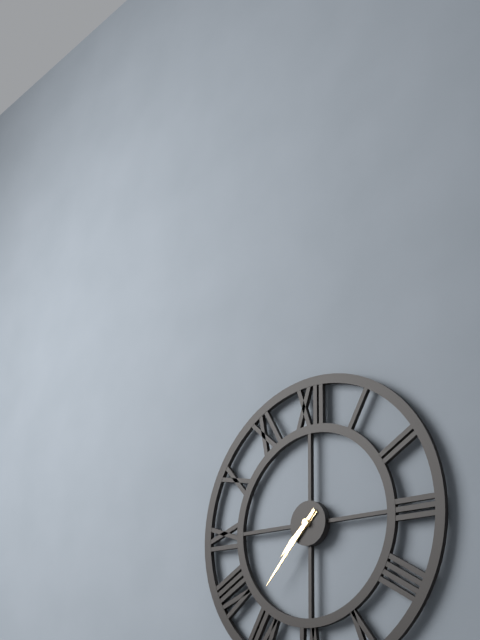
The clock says 7:37
